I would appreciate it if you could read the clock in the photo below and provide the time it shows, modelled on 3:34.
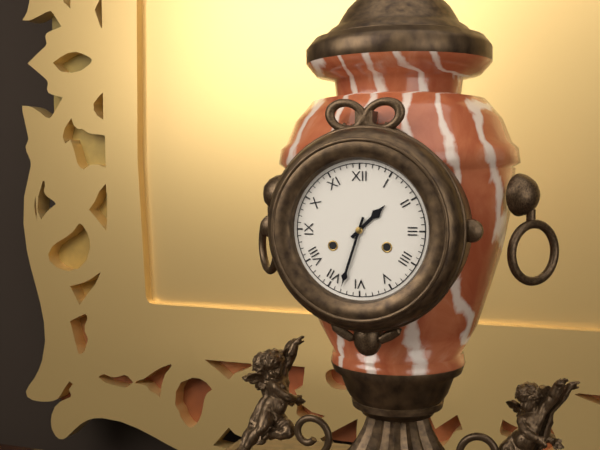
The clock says 1:33
